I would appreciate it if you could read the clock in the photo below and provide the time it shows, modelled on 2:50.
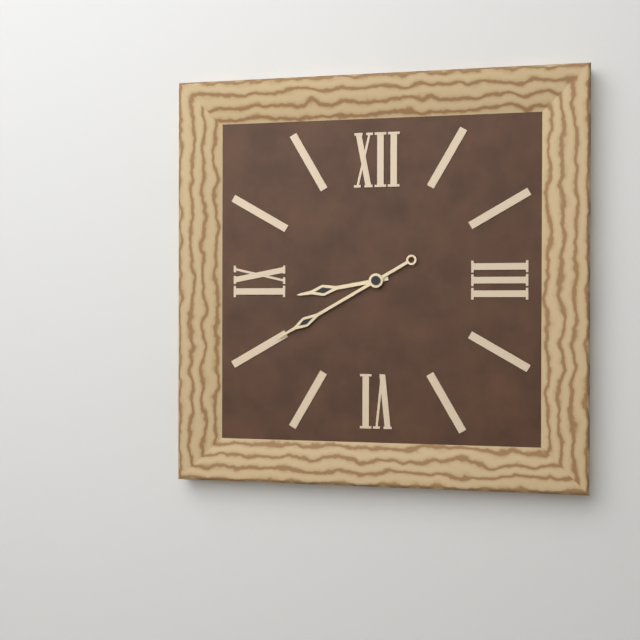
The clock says 8:40
